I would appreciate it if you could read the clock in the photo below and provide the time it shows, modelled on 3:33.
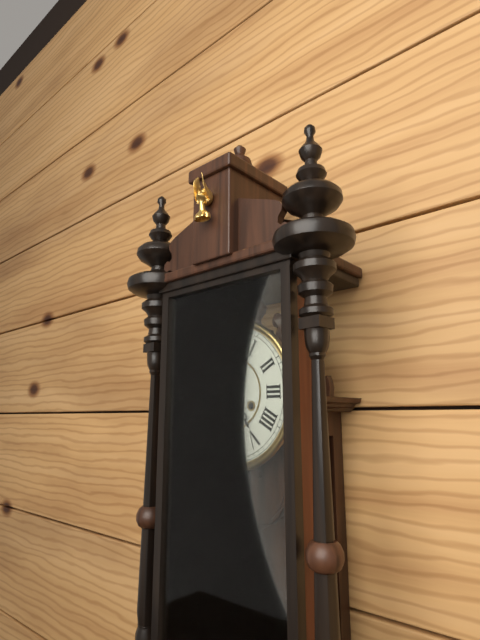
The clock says 4:57
